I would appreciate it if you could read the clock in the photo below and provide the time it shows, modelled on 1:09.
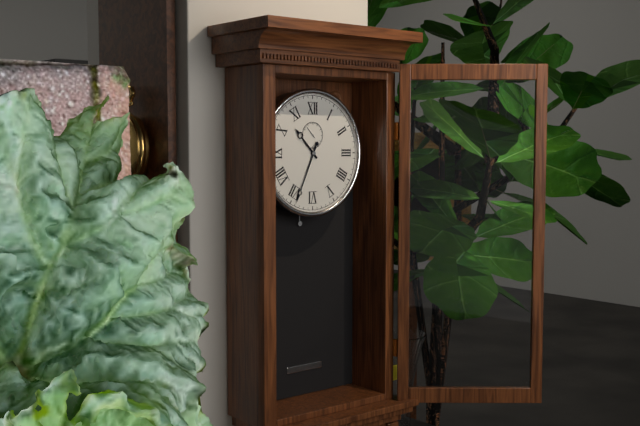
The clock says 10:34
